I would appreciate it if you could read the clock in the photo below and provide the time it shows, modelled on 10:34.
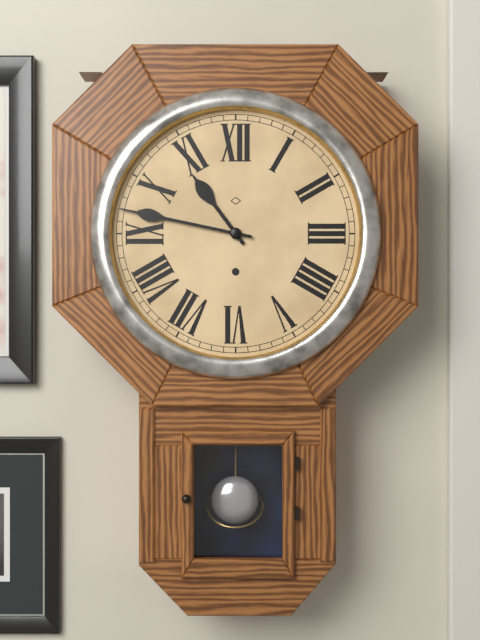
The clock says 10:47
